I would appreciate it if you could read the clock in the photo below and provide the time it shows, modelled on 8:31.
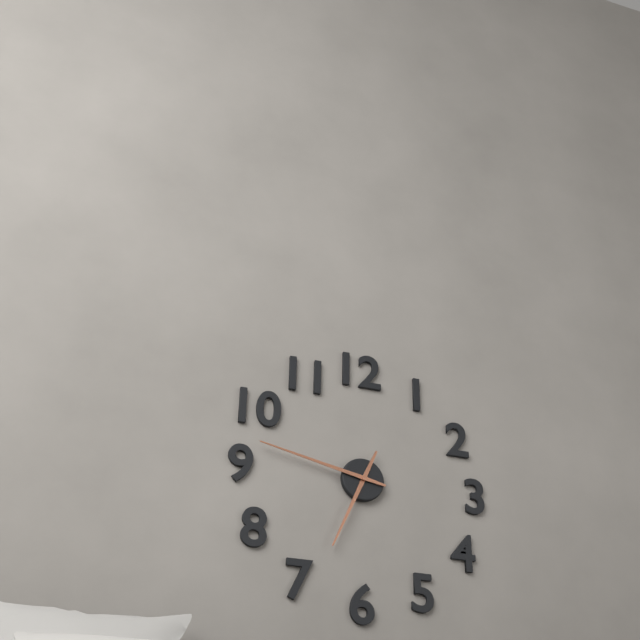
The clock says 6:47
